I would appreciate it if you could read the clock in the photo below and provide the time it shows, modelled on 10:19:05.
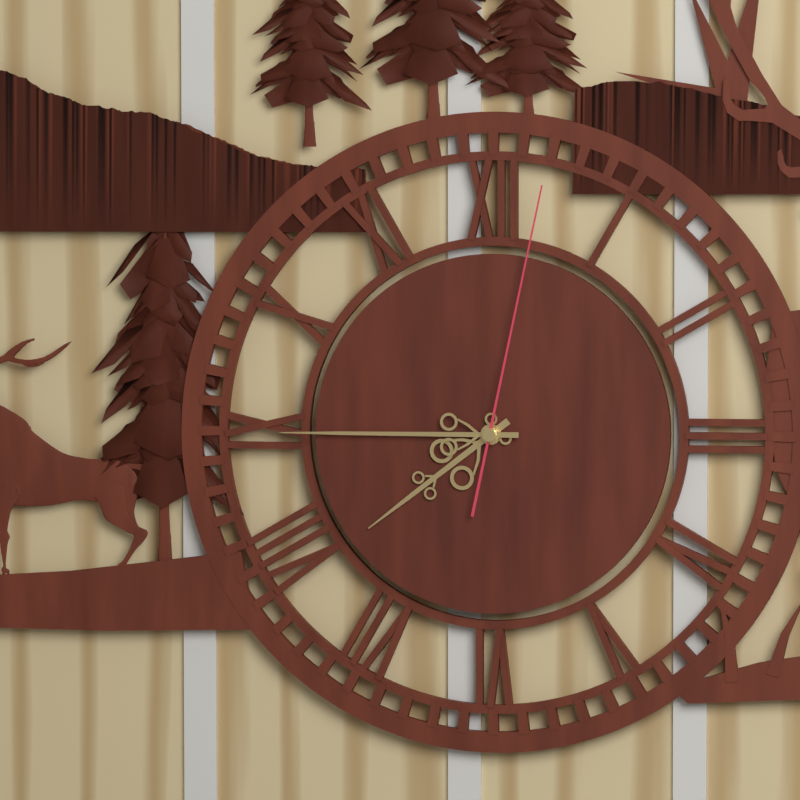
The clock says 7:45:02
